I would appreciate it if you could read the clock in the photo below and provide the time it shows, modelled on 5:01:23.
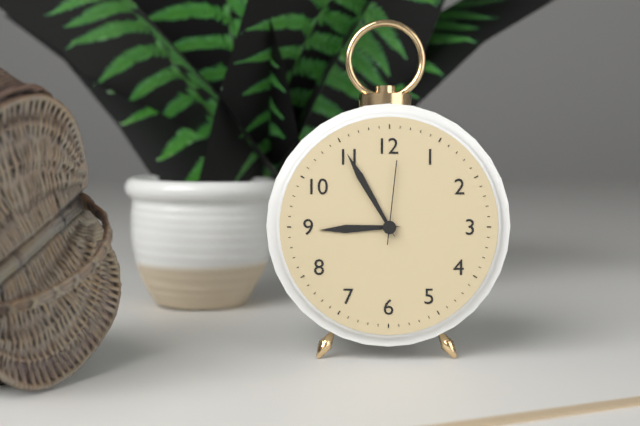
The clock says 8:55:01
